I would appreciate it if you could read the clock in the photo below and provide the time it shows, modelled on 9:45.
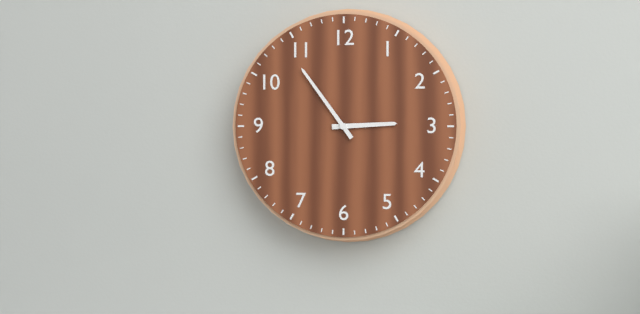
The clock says 2:54
